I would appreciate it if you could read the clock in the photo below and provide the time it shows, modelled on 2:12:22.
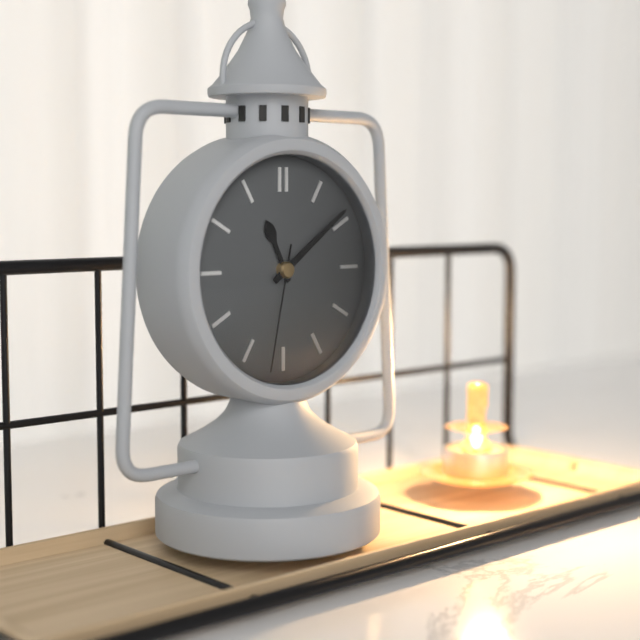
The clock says 11:09:32
